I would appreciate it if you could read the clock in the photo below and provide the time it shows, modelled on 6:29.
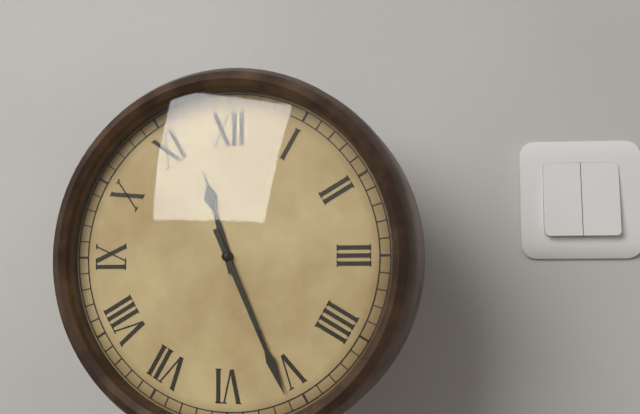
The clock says 11:26
